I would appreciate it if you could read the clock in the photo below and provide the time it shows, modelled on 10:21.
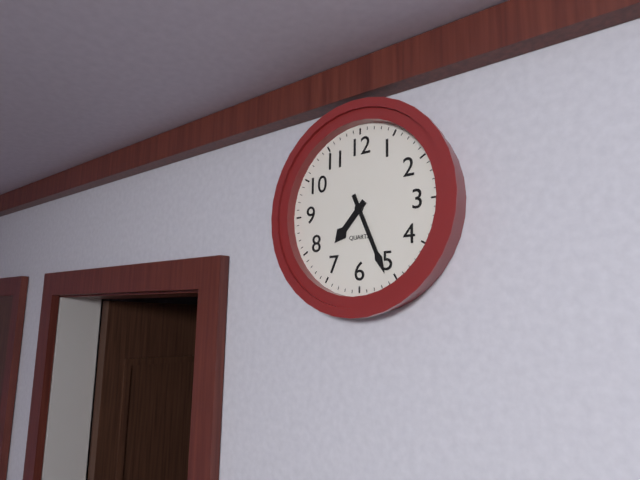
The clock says 7:26
